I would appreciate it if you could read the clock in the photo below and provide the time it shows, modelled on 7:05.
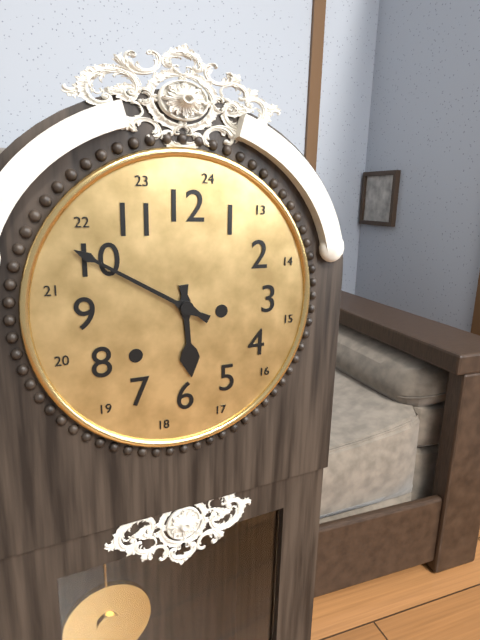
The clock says 5:50
